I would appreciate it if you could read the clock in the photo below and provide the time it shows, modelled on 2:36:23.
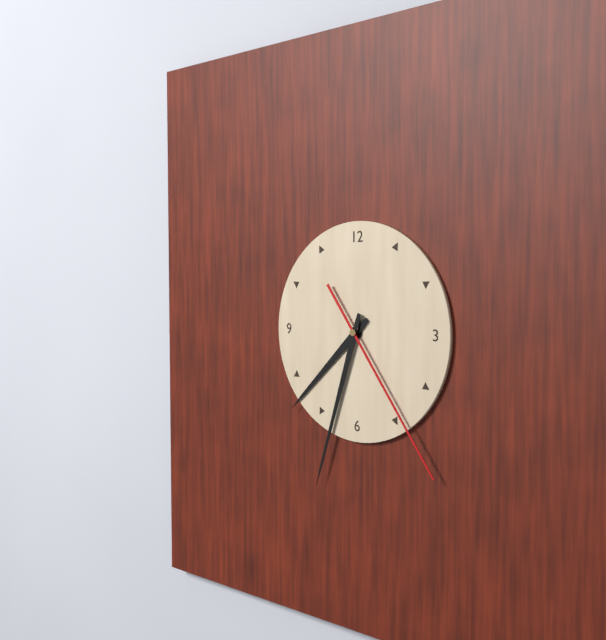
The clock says 7:33:24
